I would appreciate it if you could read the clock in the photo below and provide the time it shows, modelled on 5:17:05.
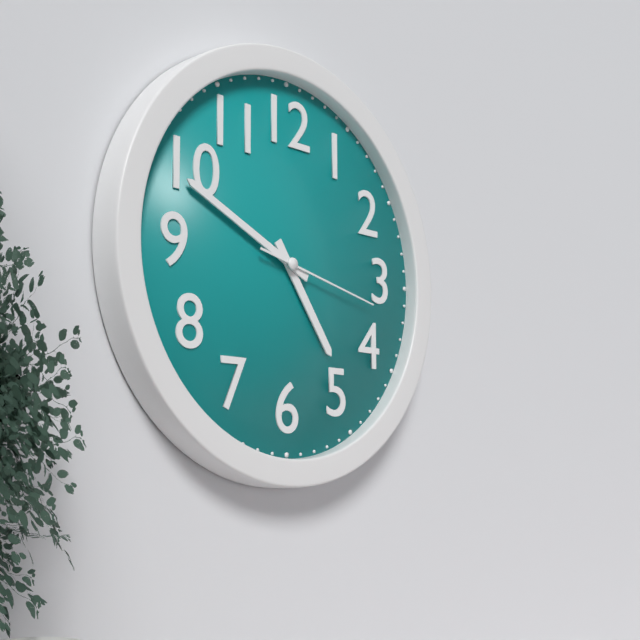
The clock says 4:49:17
